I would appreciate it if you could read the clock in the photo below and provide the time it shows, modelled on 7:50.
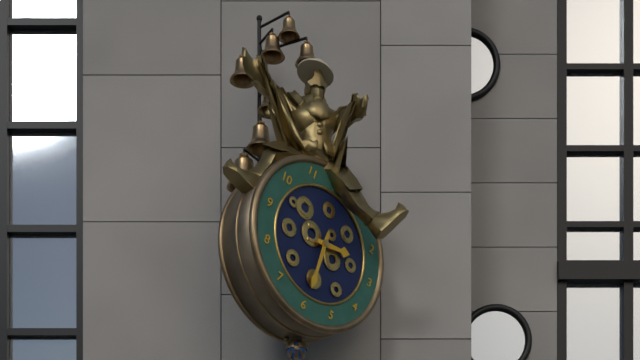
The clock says 2:30
